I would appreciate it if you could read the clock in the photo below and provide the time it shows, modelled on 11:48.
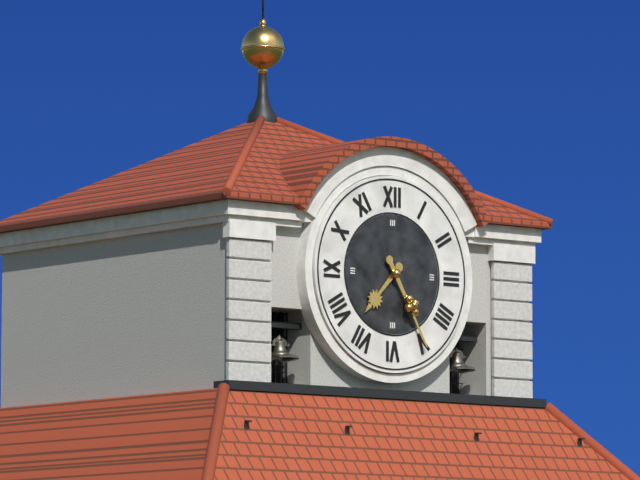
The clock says 7:25
